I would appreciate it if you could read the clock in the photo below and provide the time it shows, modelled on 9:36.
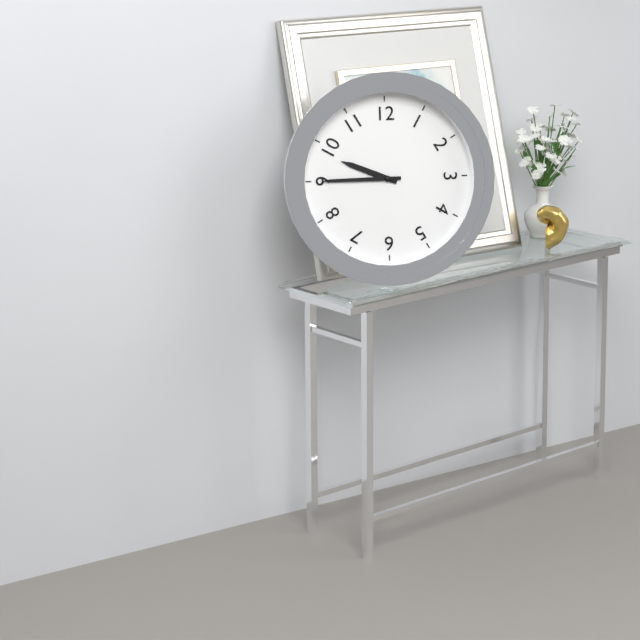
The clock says 9:45
